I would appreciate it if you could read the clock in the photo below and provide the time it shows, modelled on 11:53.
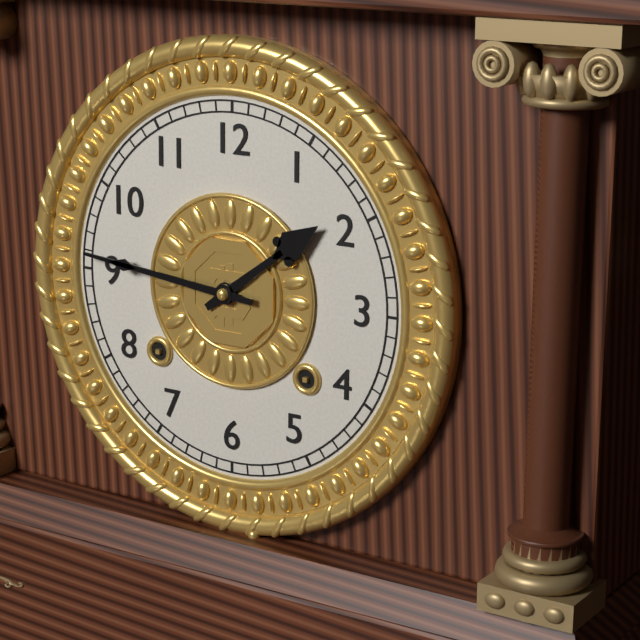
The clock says 1:46
